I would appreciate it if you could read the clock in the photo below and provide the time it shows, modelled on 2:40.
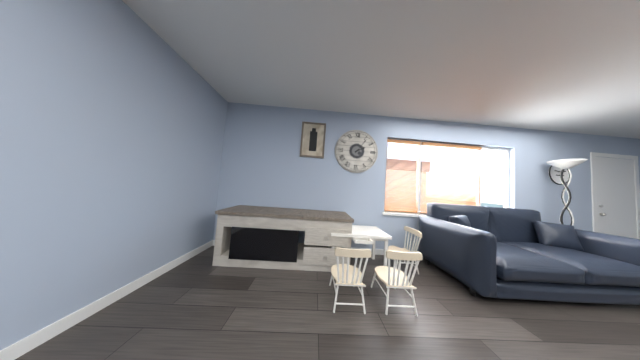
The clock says 2:06
